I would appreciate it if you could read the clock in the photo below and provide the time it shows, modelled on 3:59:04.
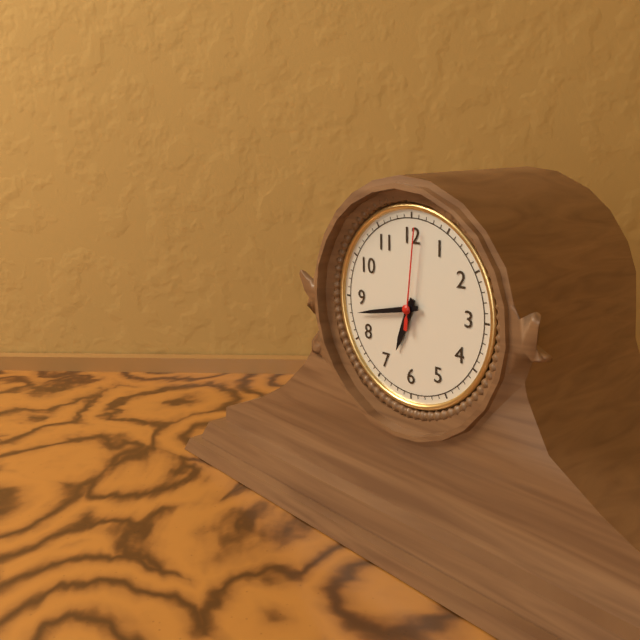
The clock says 6:43:01
